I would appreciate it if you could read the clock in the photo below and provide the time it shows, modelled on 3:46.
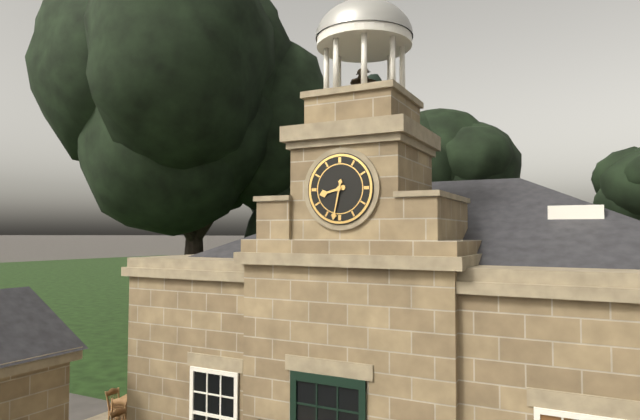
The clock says 8:32
